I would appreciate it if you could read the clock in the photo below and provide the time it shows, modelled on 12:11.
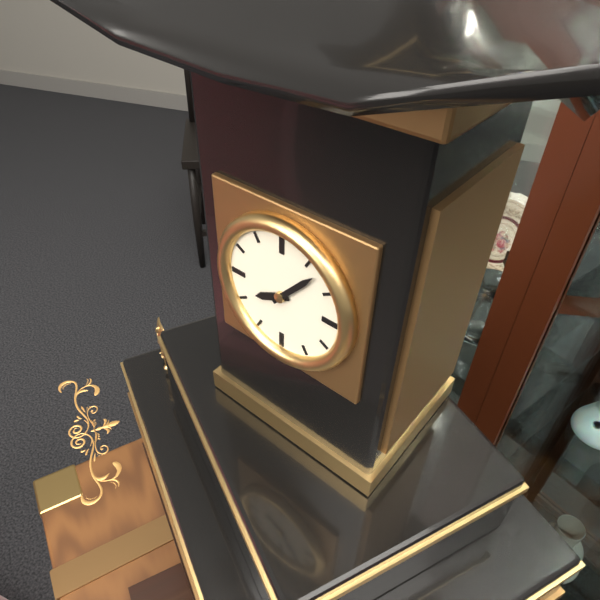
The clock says 8:07
